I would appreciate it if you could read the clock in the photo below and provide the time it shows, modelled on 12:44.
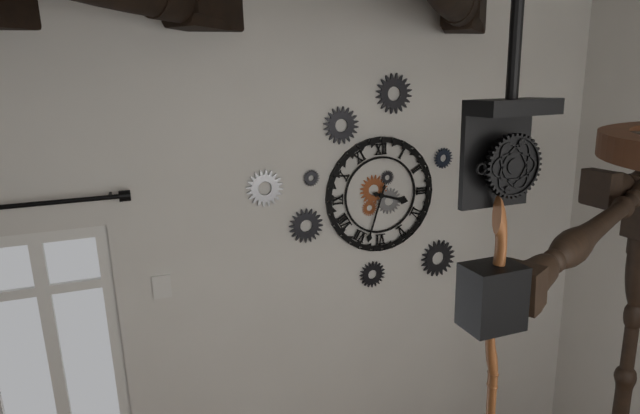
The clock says 3:33
